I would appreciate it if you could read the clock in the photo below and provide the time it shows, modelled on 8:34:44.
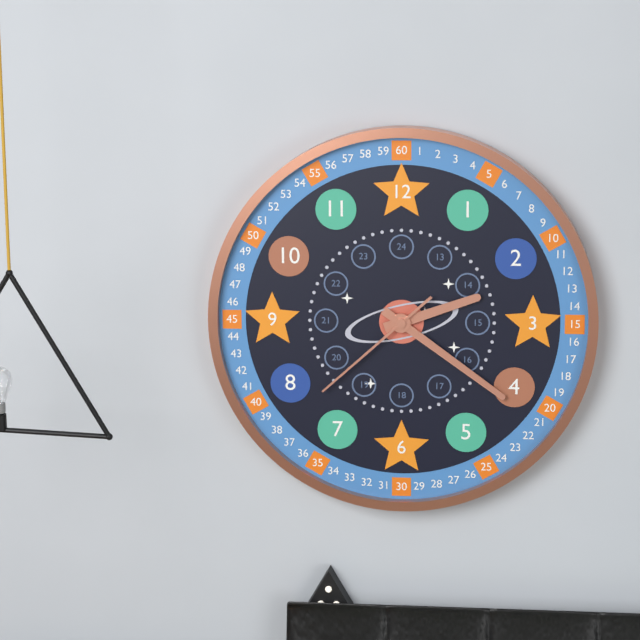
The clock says 2:21:38
